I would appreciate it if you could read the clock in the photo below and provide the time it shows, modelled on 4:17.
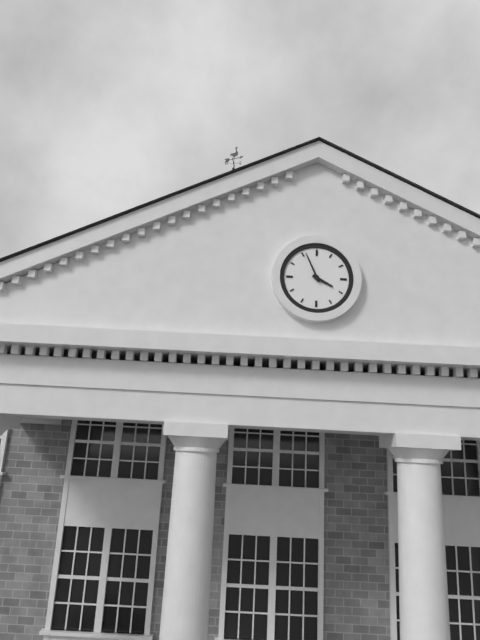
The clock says 3:56
